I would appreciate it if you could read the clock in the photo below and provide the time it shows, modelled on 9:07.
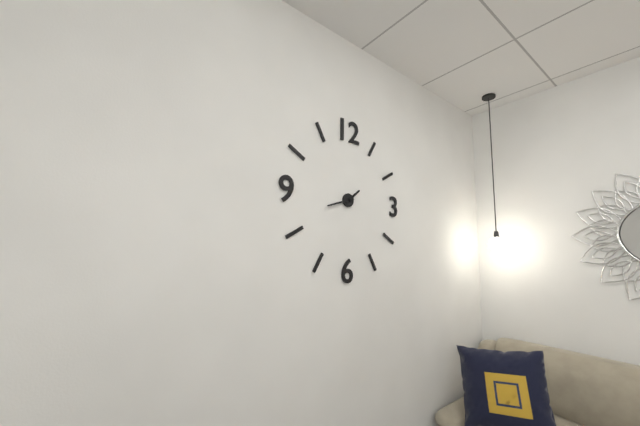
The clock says 1:42
